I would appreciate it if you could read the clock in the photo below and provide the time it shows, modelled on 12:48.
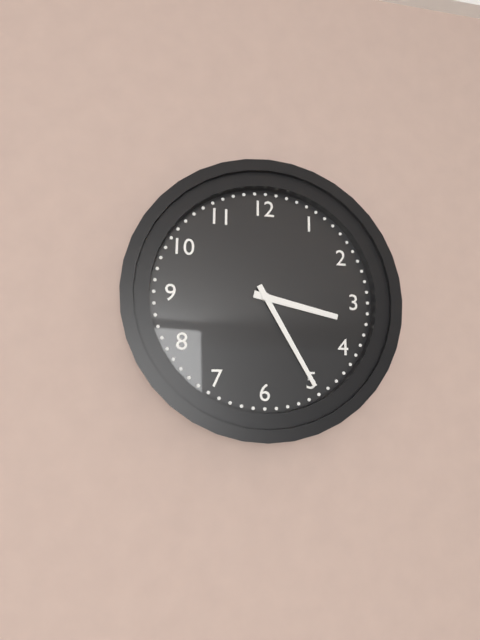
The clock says 3:25
